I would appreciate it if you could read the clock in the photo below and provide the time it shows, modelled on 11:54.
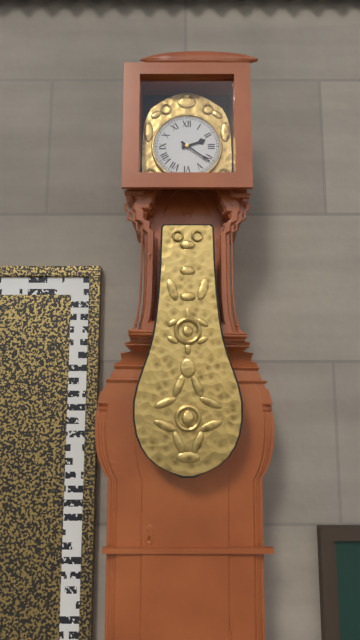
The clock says 2:21
